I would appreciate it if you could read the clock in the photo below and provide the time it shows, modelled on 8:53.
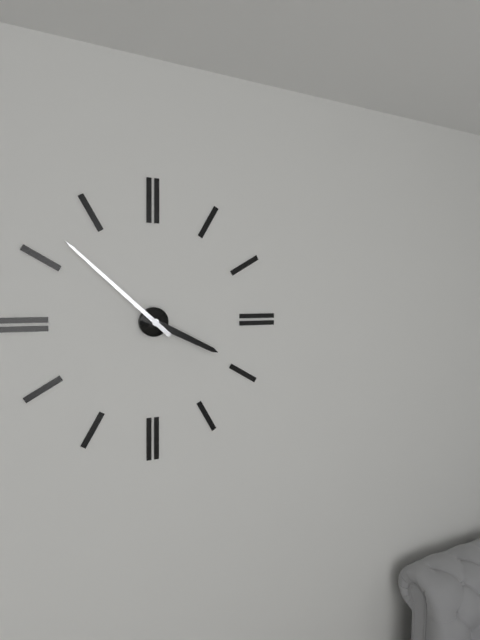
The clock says 3:52
